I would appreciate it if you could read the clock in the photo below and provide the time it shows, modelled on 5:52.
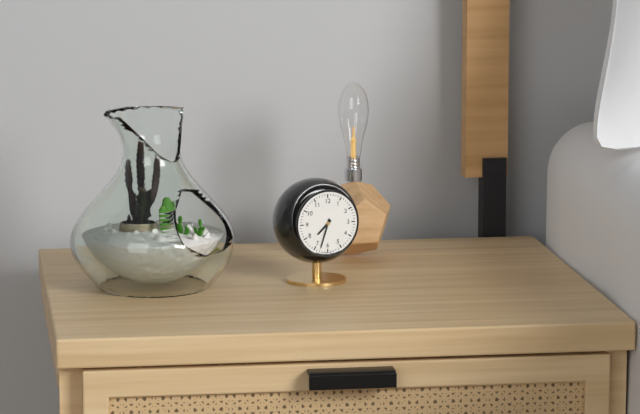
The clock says 7:33
